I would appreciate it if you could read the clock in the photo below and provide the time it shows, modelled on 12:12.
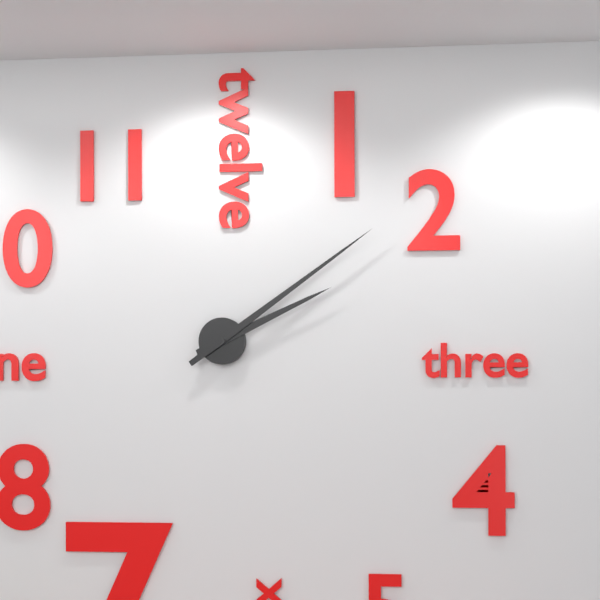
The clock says 2:09
